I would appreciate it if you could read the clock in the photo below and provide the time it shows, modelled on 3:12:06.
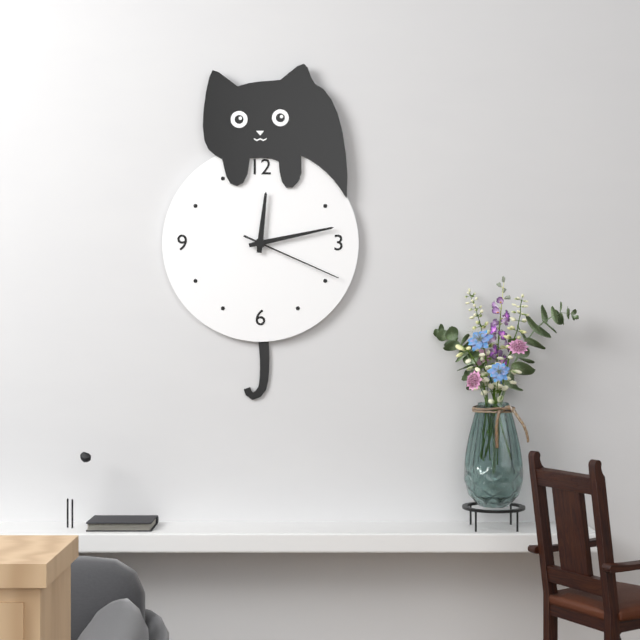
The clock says 12:13:19
